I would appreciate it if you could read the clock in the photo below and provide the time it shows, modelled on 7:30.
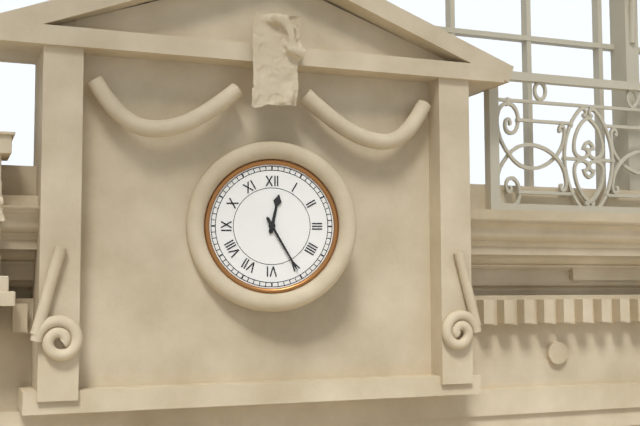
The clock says 12:25
